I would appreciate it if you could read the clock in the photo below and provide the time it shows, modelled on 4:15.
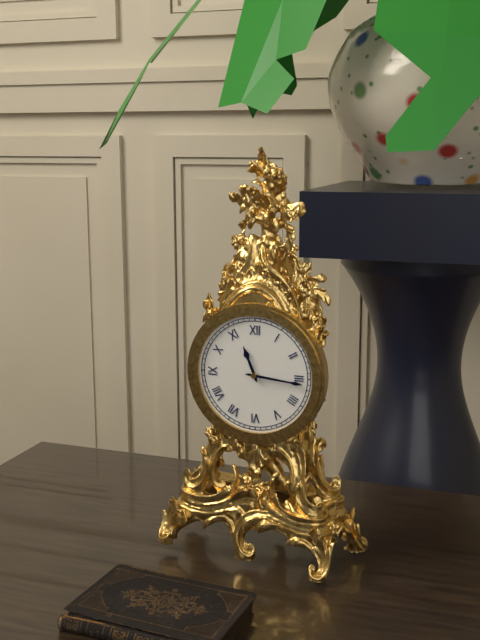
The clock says 11:16
